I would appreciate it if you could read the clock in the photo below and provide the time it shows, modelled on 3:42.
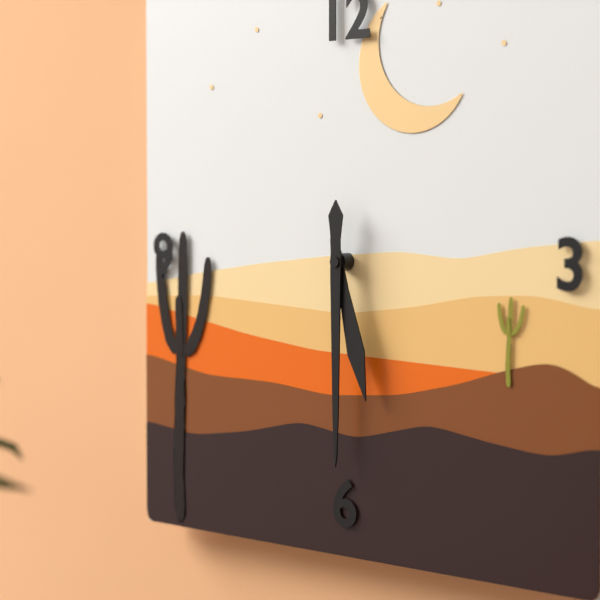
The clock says 5:30
